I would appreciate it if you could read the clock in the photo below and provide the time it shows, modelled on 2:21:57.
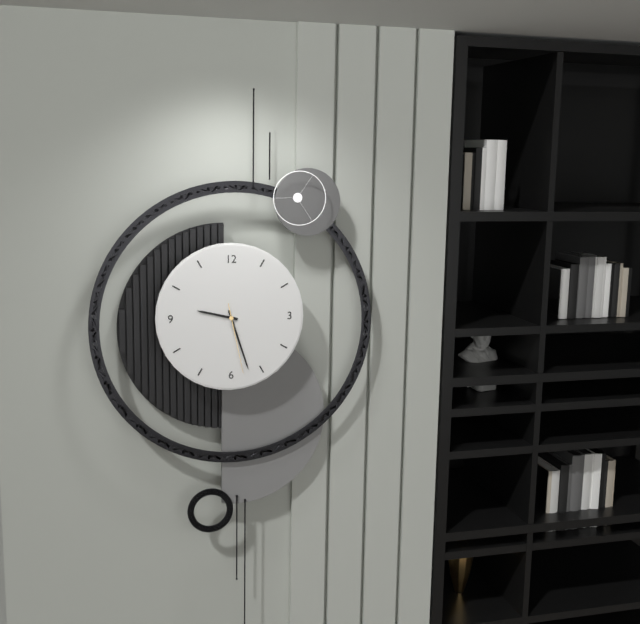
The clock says 9:27:28
